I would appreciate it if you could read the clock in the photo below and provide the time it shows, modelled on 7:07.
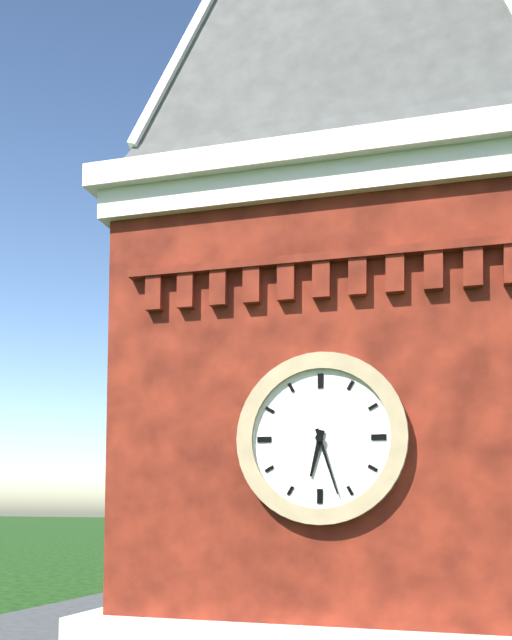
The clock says 6:27
